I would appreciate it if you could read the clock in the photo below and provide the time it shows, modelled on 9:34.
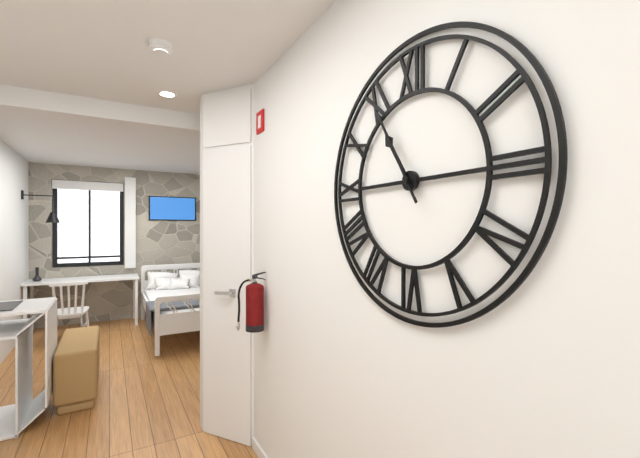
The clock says 10:55
